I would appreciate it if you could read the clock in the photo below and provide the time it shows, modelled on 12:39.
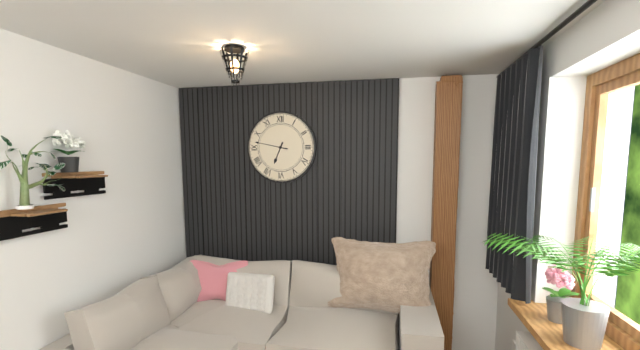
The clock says 6:47
